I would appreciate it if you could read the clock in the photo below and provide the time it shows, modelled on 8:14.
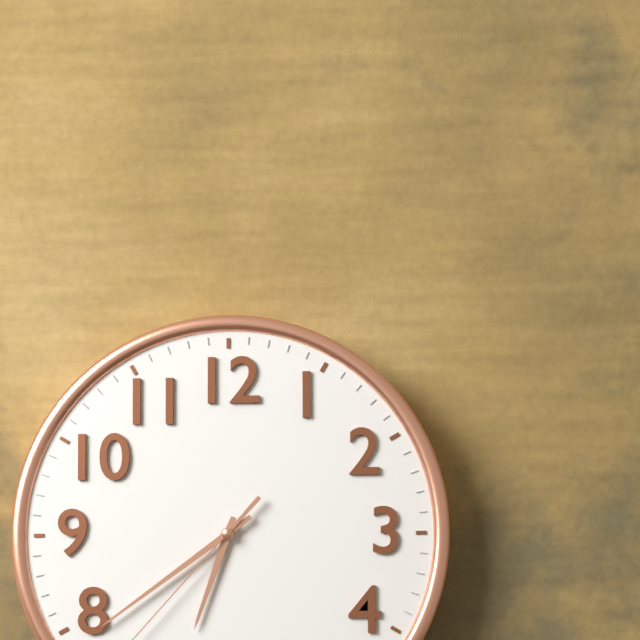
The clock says 6:39
